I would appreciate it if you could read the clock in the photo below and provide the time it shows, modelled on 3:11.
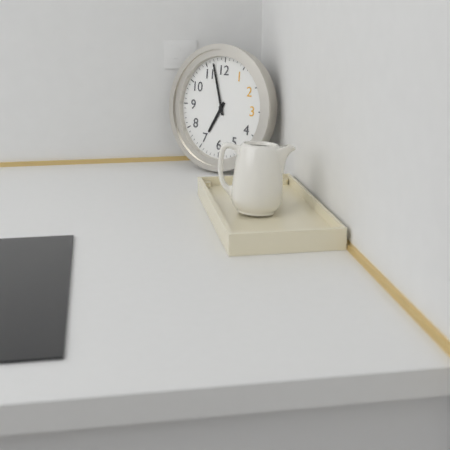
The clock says 6:57
